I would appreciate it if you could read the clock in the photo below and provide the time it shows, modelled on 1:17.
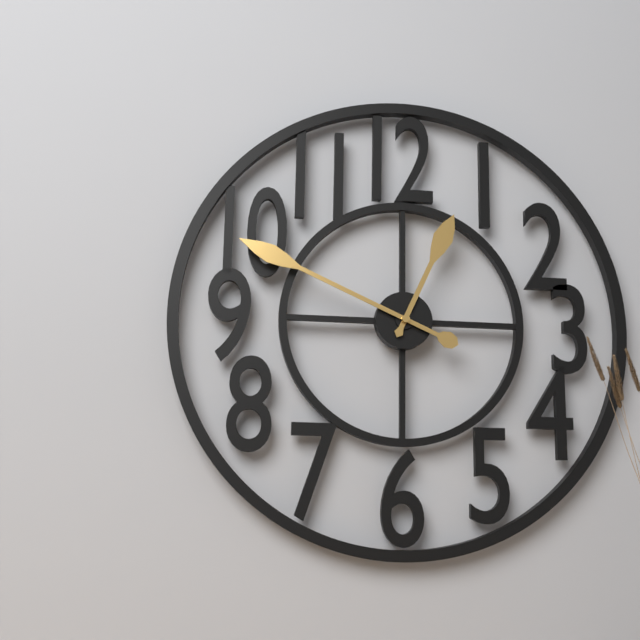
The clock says 12:49
